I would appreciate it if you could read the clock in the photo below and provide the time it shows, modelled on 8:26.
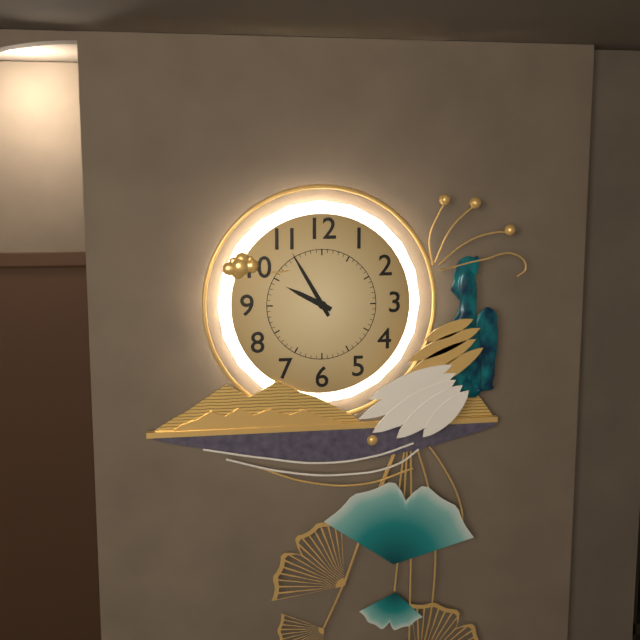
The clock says 9:55
